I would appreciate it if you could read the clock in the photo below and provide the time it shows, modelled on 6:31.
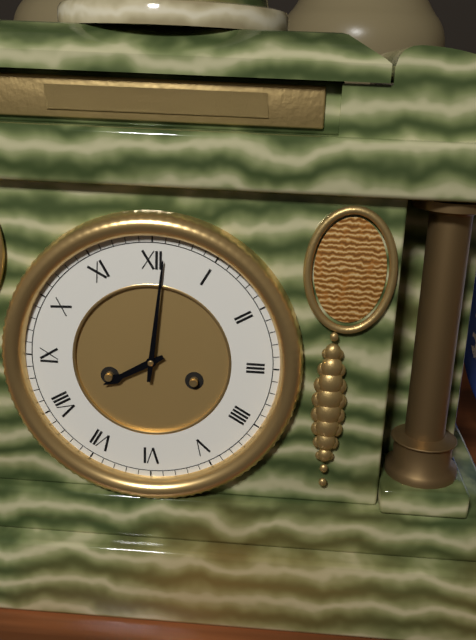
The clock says 8:01
